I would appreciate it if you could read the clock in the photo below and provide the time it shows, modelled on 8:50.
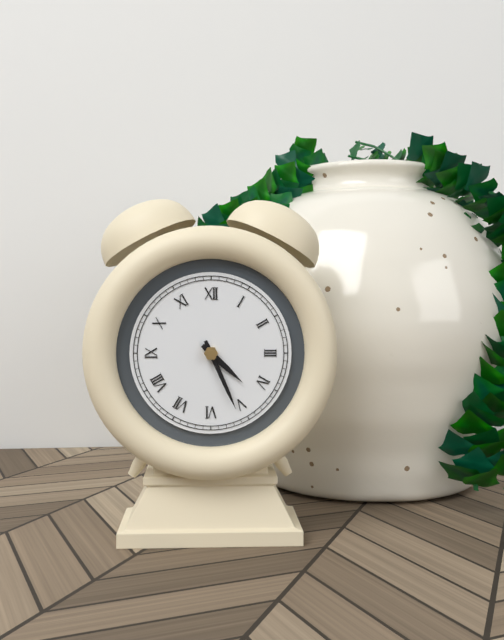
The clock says 4:26
